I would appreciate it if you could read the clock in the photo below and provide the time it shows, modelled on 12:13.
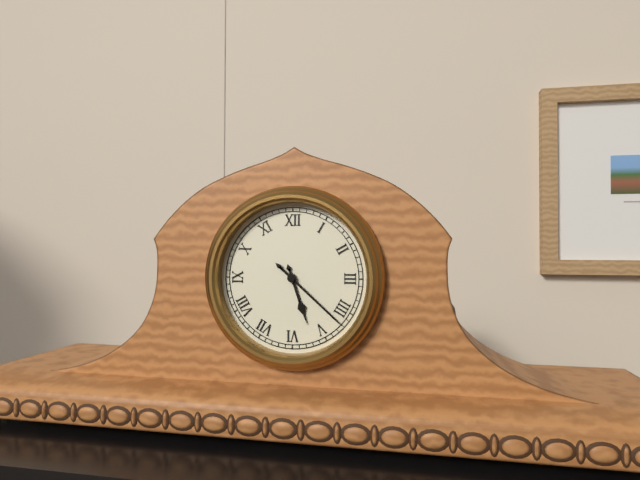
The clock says 5:22
